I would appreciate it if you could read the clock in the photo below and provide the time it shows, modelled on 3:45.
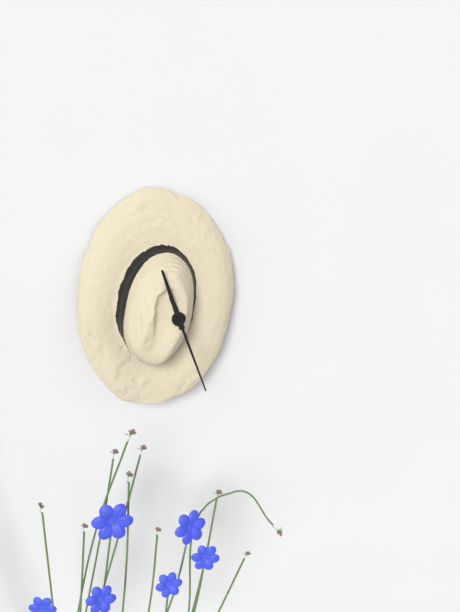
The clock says 11:27
